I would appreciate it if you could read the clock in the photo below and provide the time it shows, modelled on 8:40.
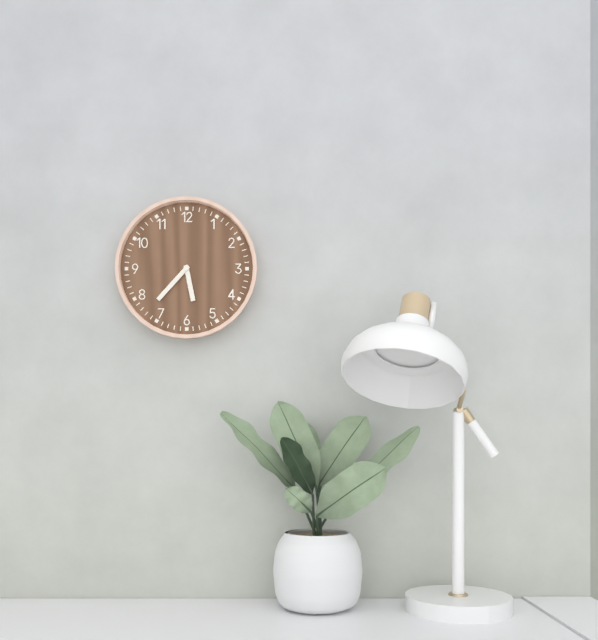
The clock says 5:37
